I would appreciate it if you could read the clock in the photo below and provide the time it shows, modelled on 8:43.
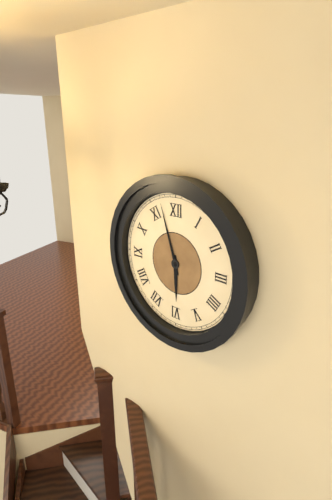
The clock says 5:57
